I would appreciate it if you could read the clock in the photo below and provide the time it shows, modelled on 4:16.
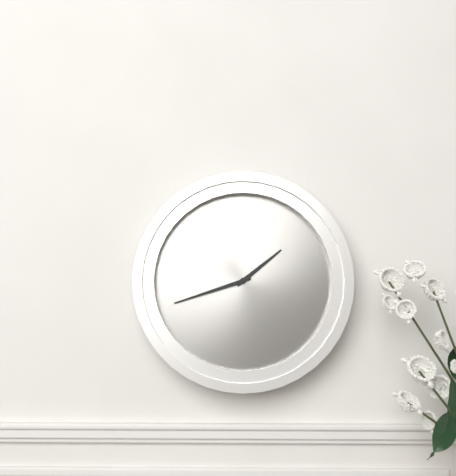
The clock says 1:42
